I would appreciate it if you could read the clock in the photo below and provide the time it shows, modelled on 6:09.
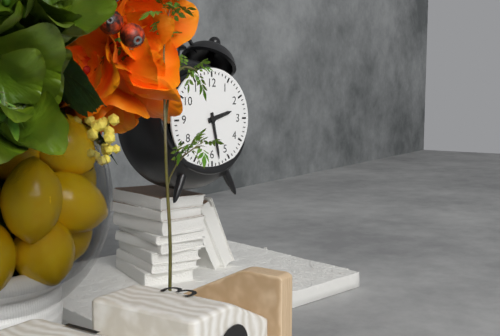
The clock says 2:28
